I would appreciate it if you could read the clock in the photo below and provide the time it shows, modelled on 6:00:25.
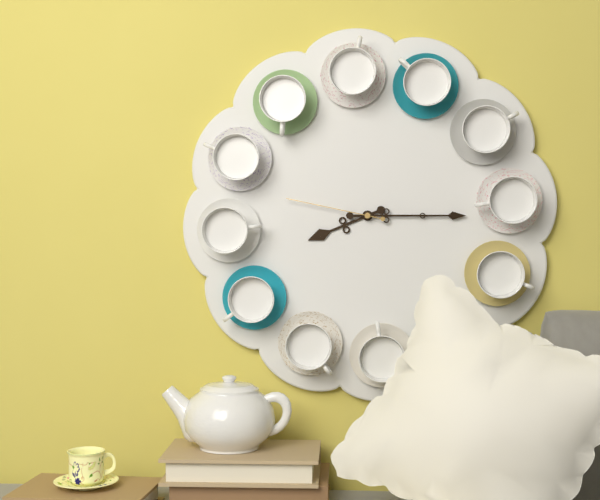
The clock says 8:15:47
